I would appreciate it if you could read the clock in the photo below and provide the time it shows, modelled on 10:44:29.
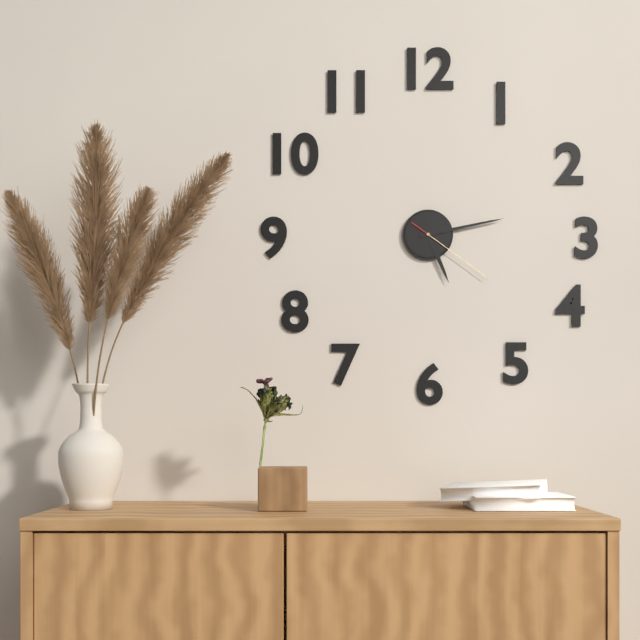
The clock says 5:13:21
